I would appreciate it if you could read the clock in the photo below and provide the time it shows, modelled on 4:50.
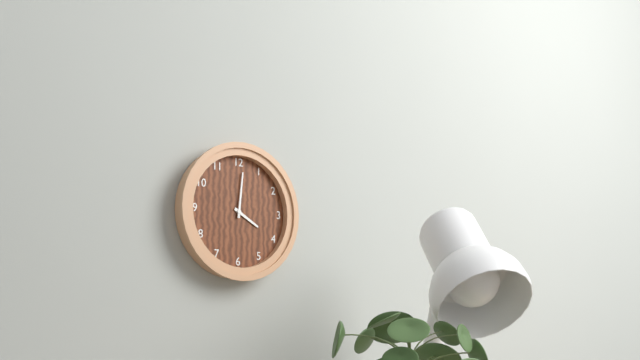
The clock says 4:01
